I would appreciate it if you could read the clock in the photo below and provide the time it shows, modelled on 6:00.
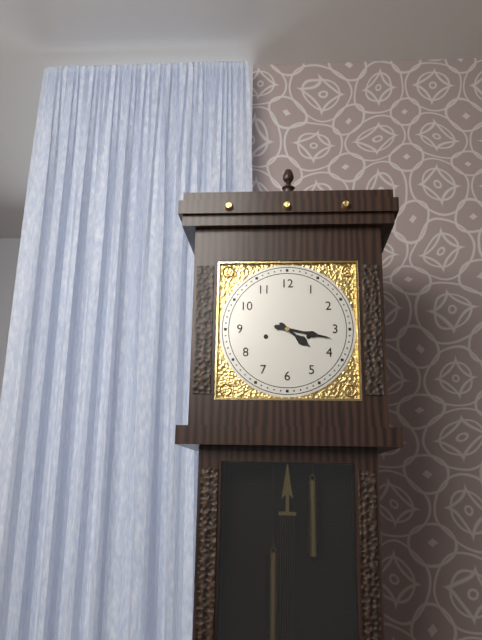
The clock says 4:17
